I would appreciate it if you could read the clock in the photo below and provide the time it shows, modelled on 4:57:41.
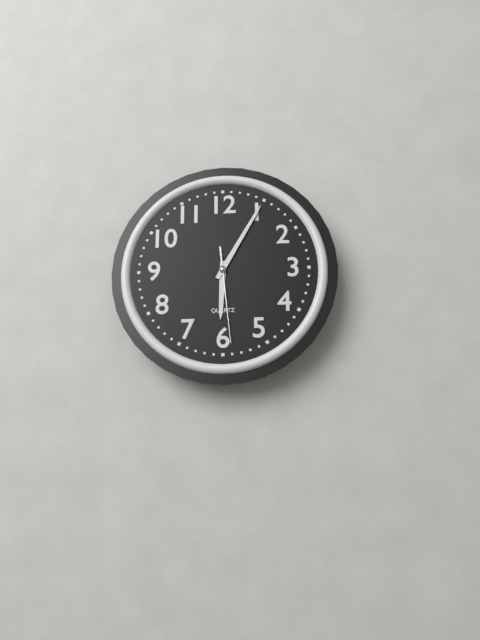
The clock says 6:05:29
